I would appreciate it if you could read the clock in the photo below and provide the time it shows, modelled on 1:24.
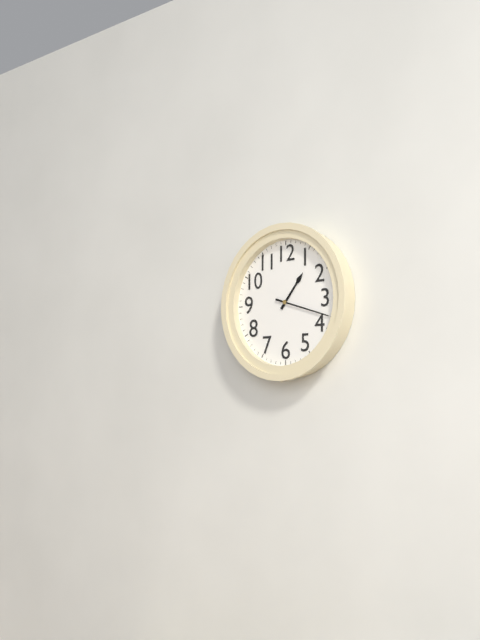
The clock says 1:18
